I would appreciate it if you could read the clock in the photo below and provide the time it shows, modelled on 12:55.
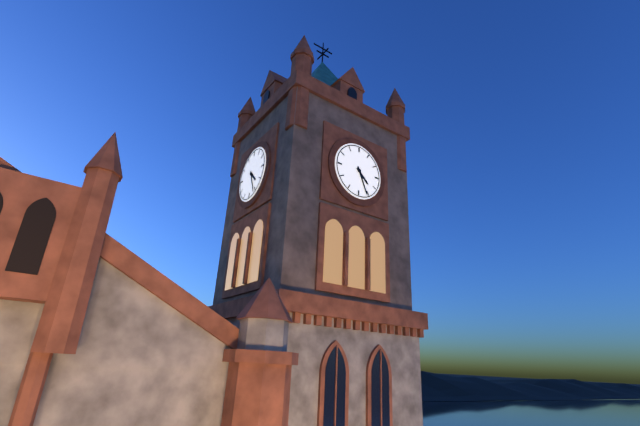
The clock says 4:26
